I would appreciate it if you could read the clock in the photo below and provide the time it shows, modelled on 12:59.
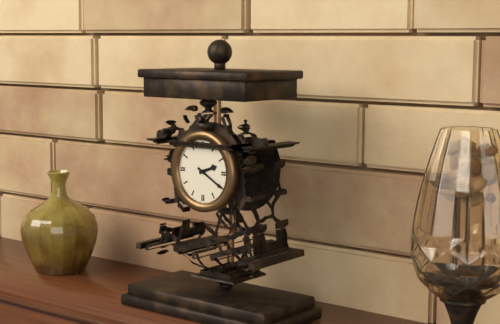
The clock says 2:20
